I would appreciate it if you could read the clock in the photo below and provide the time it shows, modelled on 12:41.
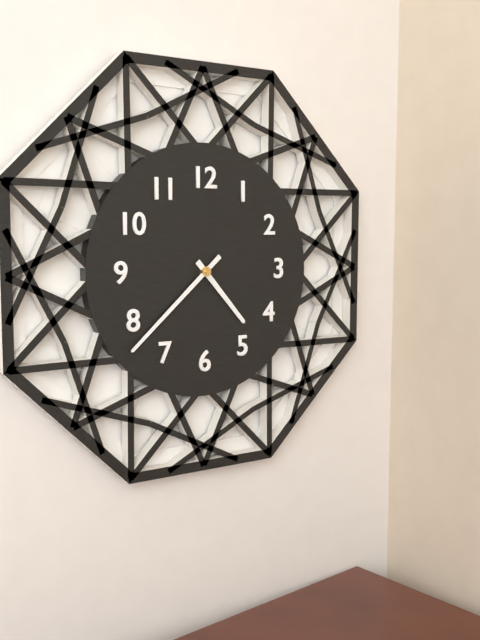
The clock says 4:38
